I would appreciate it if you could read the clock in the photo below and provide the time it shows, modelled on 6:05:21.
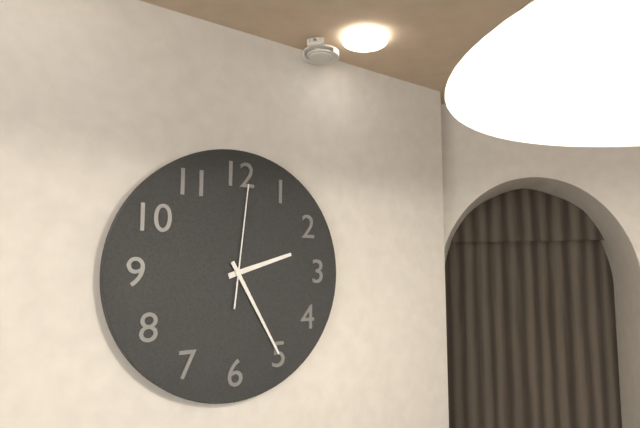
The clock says 2:25:01
